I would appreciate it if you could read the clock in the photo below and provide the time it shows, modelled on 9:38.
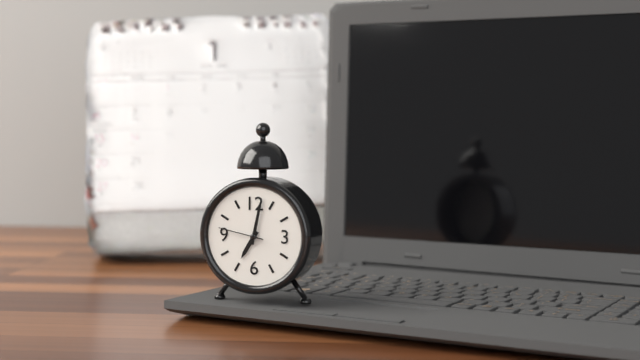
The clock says 7:02
